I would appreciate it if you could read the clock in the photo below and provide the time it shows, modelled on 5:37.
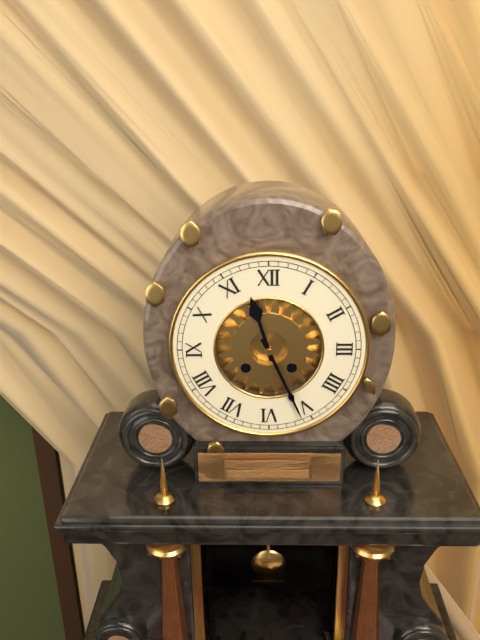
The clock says 11:26
